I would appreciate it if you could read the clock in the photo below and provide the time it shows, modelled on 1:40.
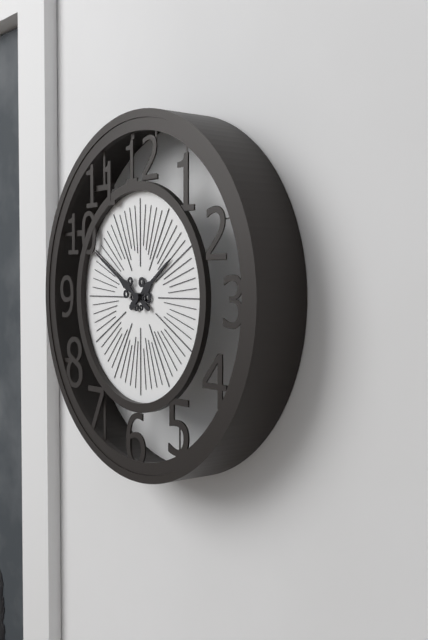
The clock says 1:50
